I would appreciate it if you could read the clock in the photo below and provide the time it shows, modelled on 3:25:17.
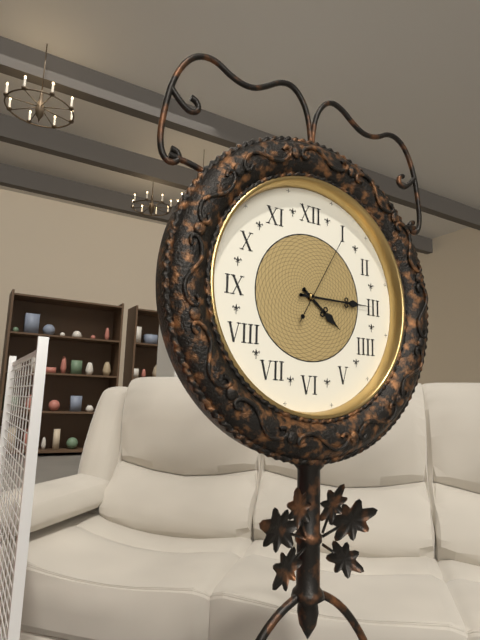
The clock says 4:15:05
